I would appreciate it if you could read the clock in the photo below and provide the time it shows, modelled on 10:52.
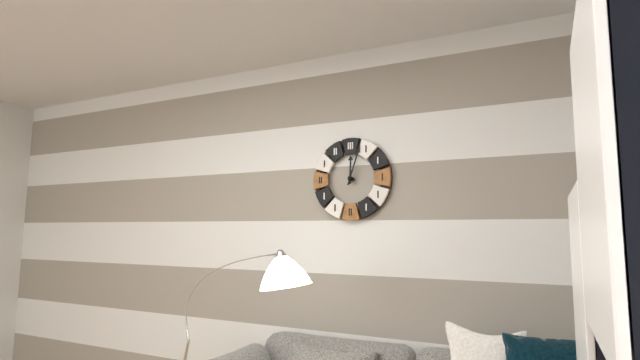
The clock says 12:03
